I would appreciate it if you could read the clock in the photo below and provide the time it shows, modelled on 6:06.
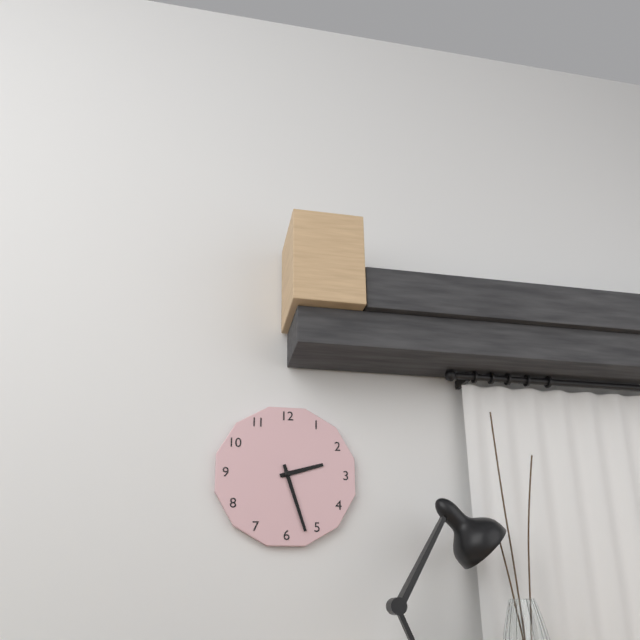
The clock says 2:27
